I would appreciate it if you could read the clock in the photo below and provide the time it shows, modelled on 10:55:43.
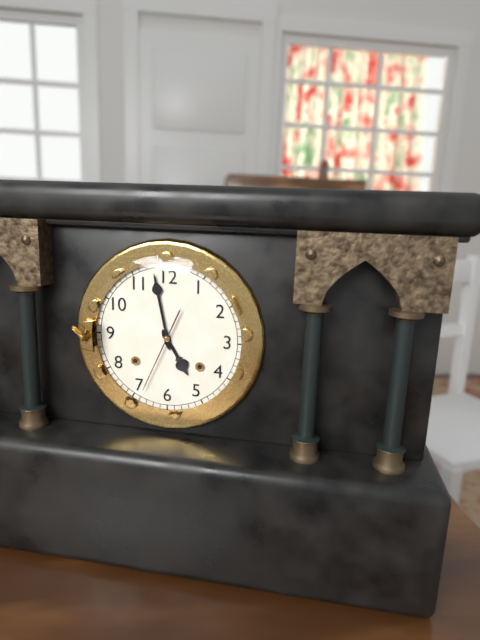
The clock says 4:58:34
